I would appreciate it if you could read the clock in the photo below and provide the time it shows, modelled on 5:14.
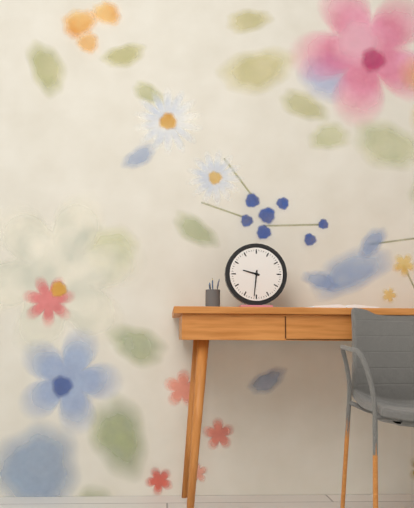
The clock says 9:31
